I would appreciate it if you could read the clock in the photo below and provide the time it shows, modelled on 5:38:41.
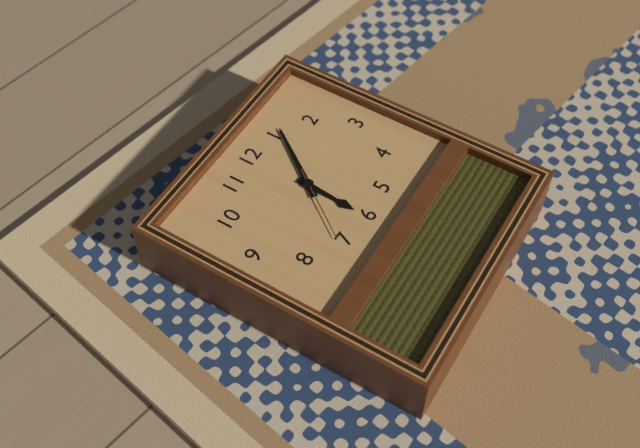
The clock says 6:06:36
